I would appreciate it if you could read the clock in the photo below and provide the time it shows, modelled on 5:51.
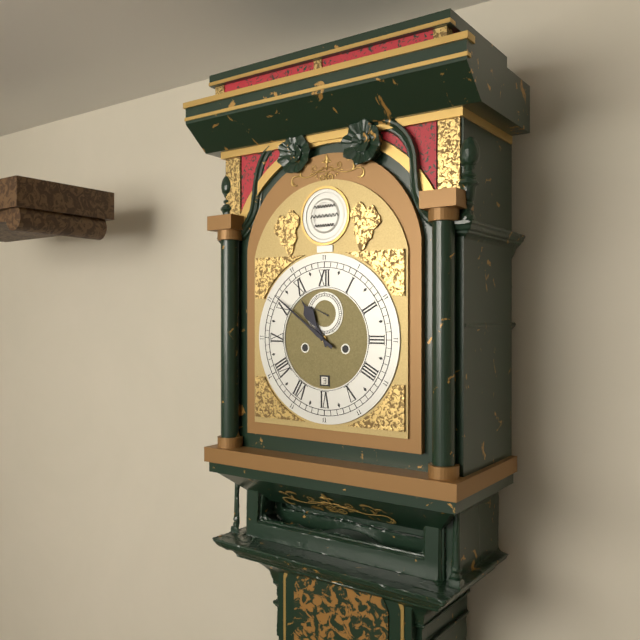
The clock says 10:51
